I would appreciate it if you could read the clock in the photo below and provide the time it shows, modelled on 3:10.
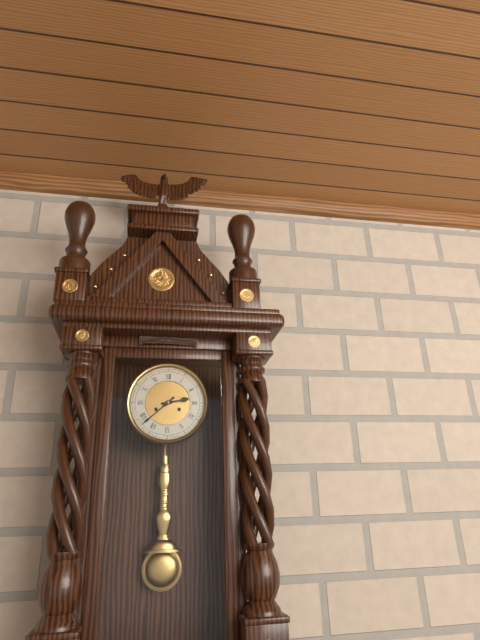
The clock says 2:38
